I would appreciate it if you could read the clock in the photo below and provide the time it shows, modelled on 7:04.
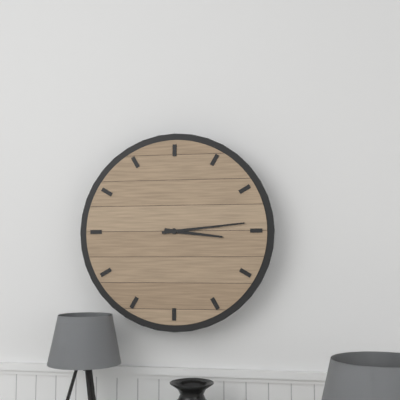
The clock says 3:14
